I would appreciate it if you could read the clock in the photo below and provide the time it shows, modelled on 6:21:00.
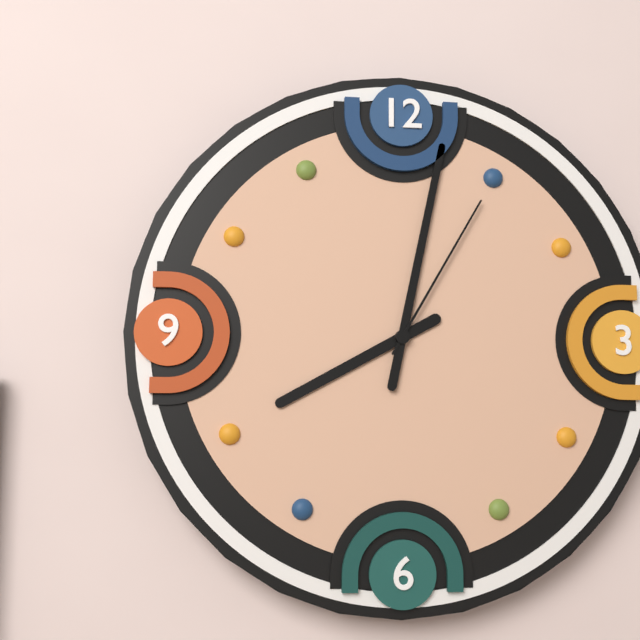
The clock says 8:02:05
